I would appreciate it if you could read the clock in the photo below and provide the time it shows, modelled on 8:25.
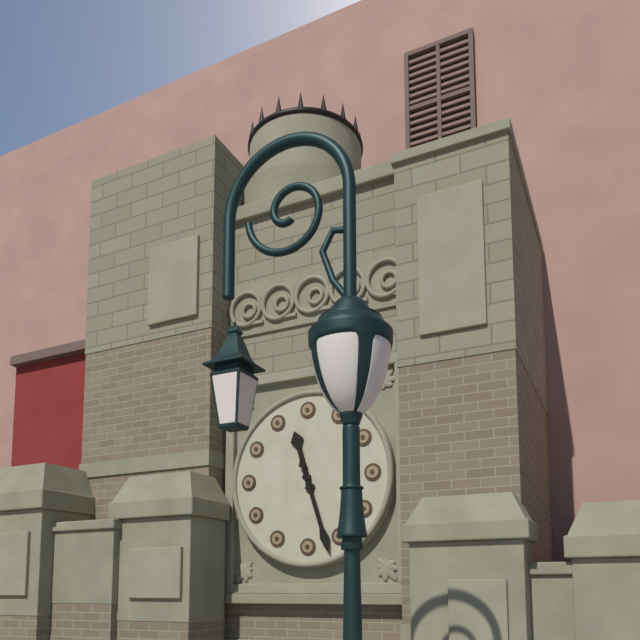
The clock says 11:27
